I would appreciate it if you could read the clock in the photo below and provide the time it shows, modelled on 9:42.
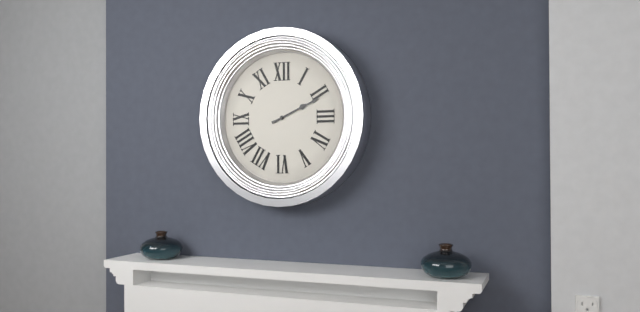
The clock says 2:11
